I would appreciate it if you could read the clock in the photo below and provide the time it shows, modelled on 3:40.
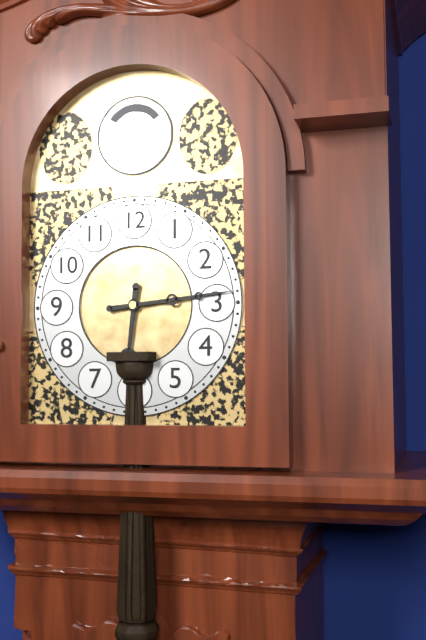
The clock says 6:14
